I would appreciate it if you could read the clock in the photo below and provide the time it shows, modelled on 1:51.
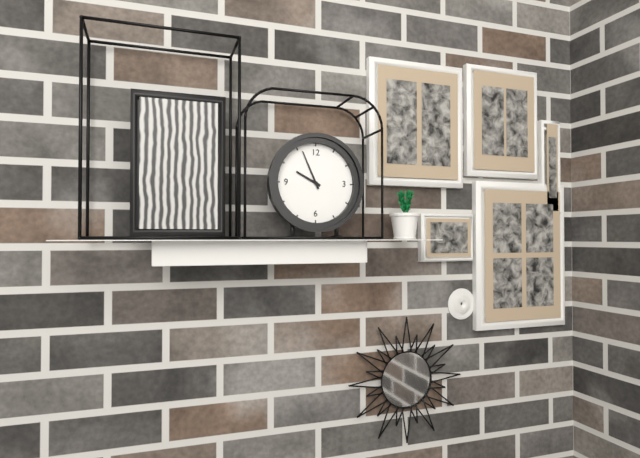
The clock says 9:56
